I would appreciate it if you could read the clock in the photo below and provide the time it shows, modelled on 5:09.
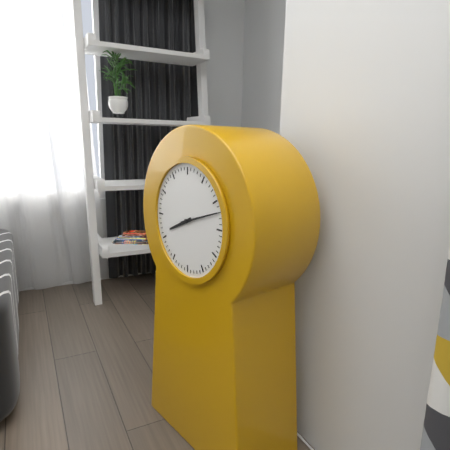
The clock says 8:12
